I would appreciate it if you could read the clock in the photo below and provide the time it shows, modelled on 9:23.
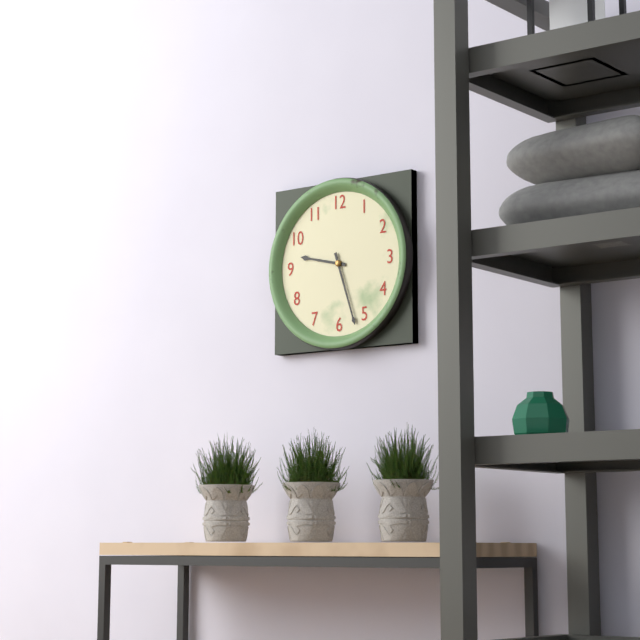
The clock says 9:27
